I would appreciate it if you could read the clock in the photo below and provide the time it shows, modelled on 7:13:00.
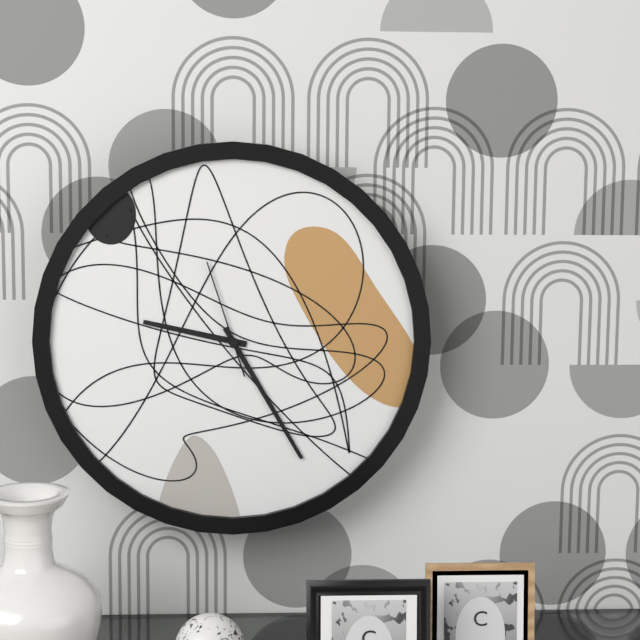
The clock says 9:25:57
